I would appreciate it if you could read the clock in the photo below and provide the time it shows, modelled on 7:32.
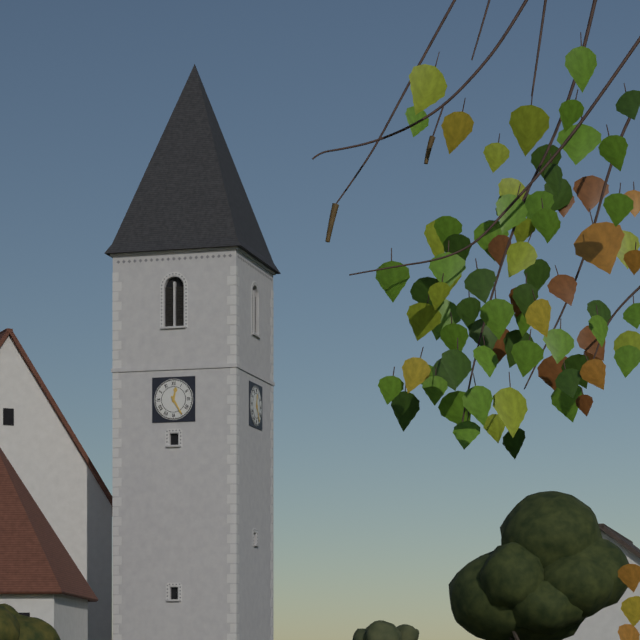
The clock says 12:25
